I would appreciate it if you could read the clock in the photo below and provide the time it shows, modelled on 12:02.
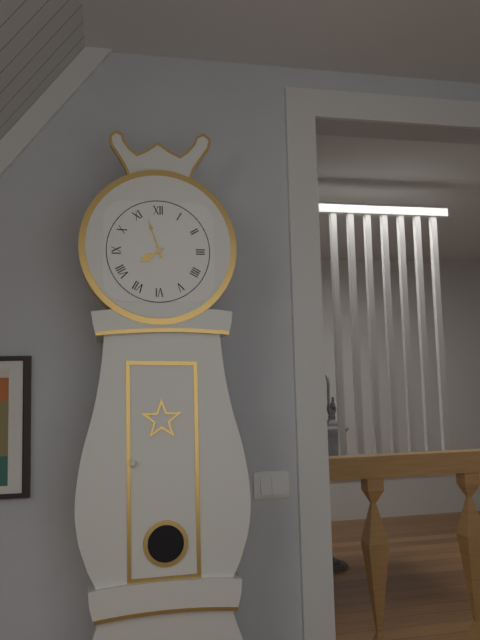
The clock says 7:57
